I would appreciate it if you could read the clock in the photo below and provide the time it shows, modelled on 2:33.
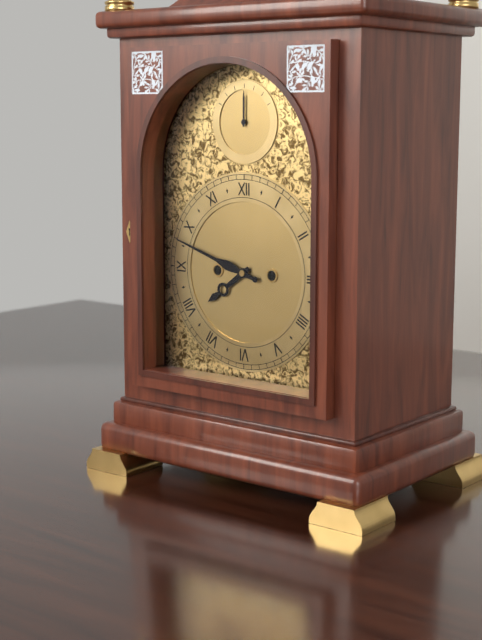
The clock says 7:48
